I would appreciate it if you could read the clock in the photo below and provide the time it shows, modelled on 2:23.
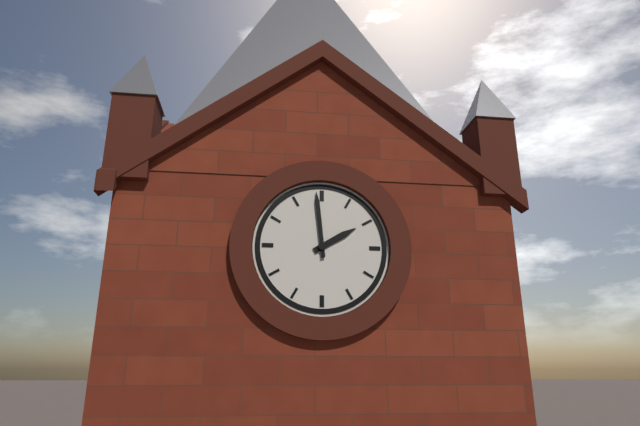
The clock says 1:59
